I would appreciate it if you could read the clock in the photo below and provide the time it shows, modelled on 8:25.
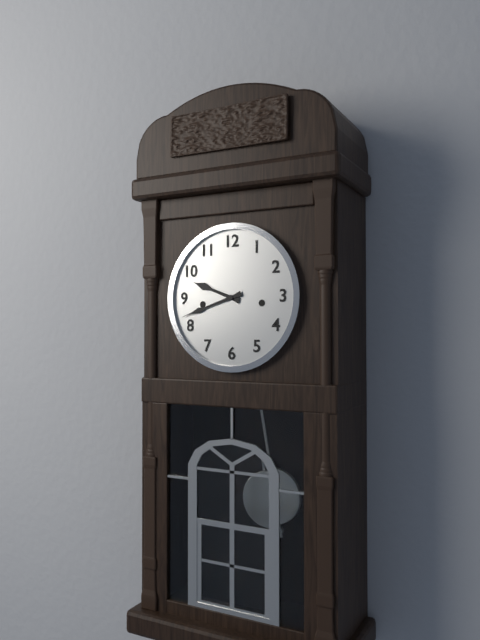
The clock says 9:42
